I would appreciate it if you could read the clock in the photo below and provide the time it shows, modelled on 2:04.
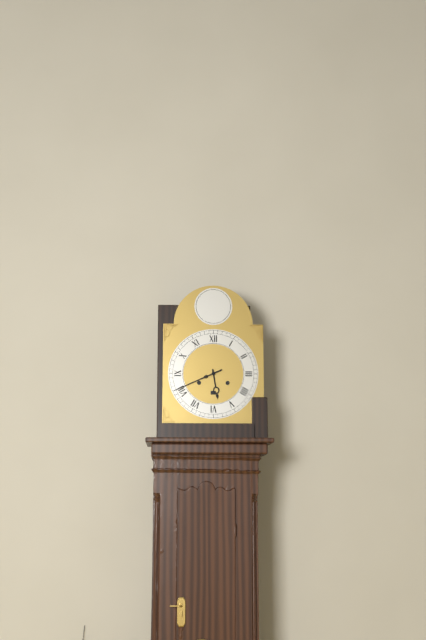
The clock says 5:41
